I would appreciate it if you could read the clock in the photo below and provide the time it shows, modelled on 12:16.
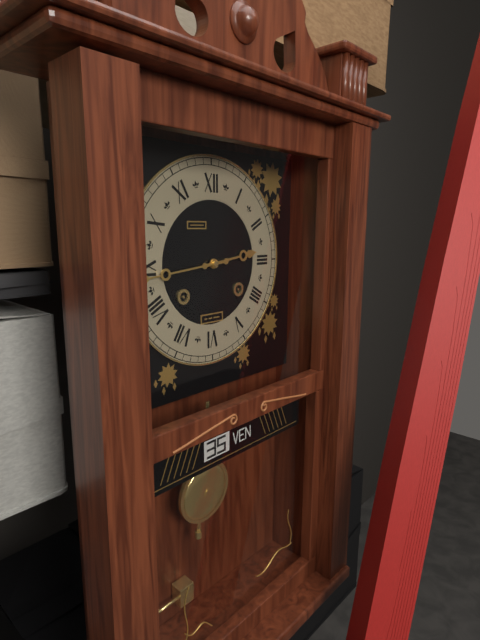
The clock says 2:44
